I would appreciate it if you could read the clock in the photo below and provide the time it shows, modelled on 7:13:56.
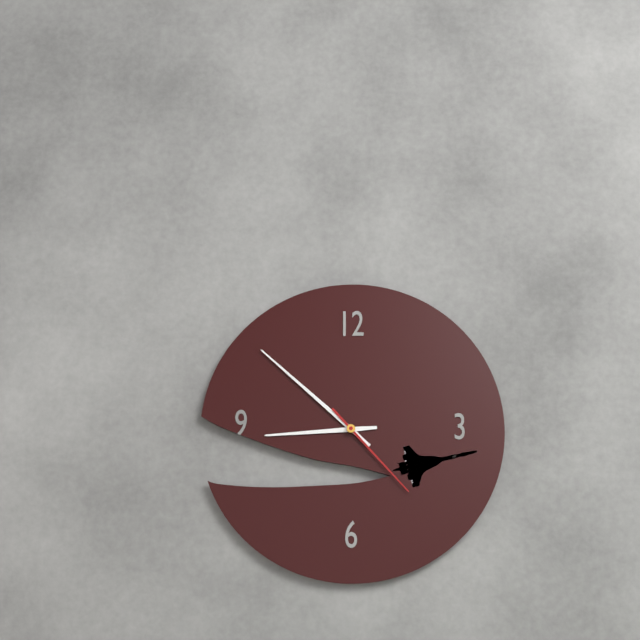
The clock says 8:52:23
